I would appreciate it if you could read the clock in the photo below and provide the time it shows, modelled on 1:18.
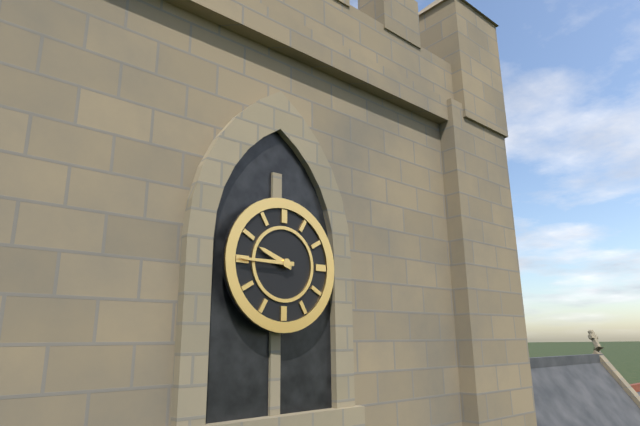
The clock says 9:45
